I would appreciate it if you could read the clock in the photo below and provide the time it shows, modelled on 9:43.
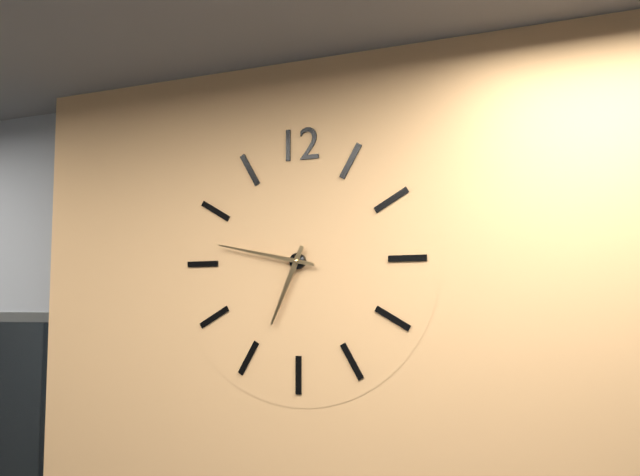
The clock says 6:47
